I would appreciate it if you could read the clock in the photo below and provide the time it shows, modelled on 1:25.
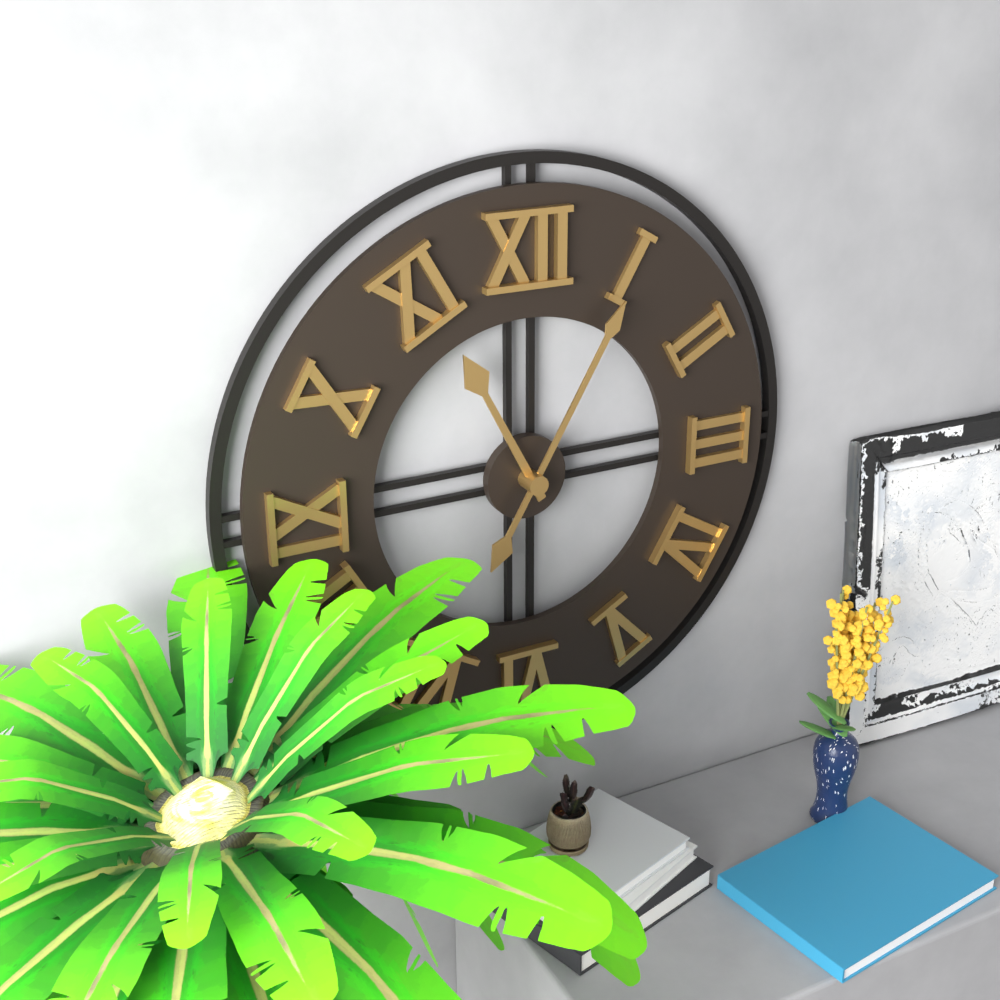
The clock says 11:05
